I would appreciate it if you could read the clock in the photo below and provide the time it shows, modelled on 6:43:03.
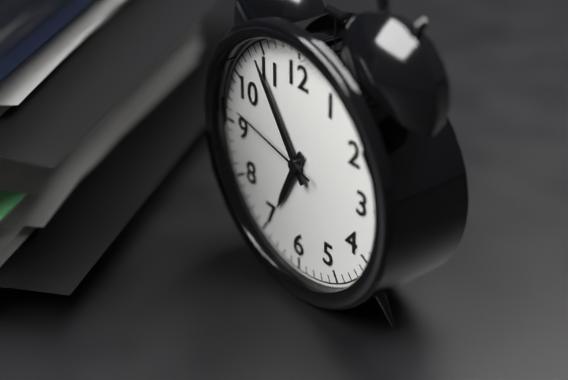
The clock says 6:54:47
